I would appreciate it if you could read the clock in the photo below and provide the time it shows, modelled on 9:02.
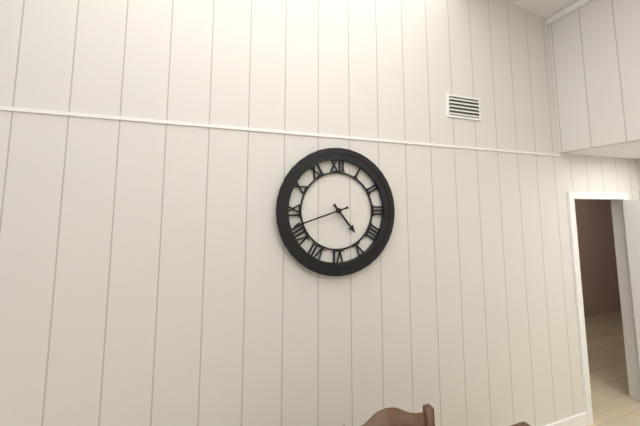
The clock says 4:42
